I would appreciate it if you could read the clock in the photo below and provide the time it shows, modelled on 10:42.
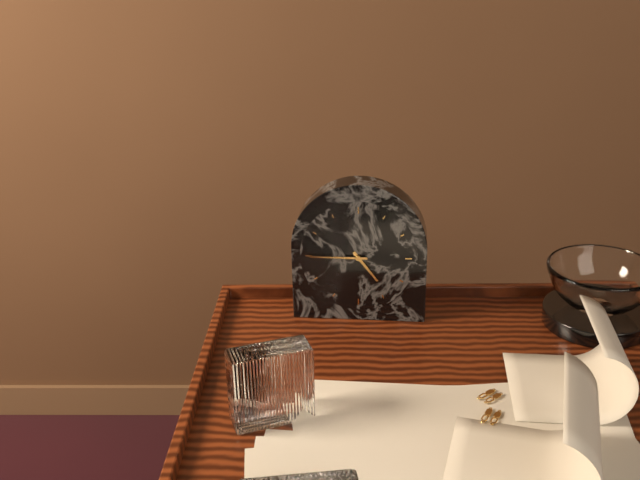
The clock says 4:45
